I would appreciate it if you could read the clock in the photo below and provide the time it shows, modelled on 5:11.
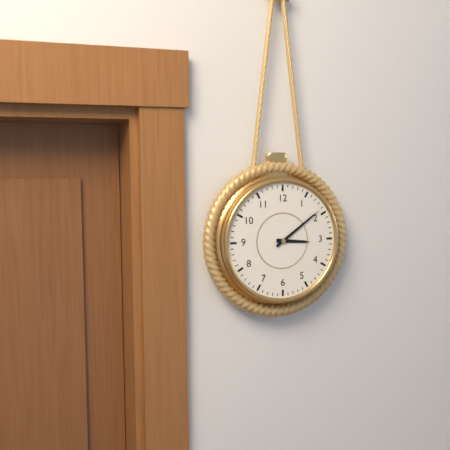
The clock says 3:09
